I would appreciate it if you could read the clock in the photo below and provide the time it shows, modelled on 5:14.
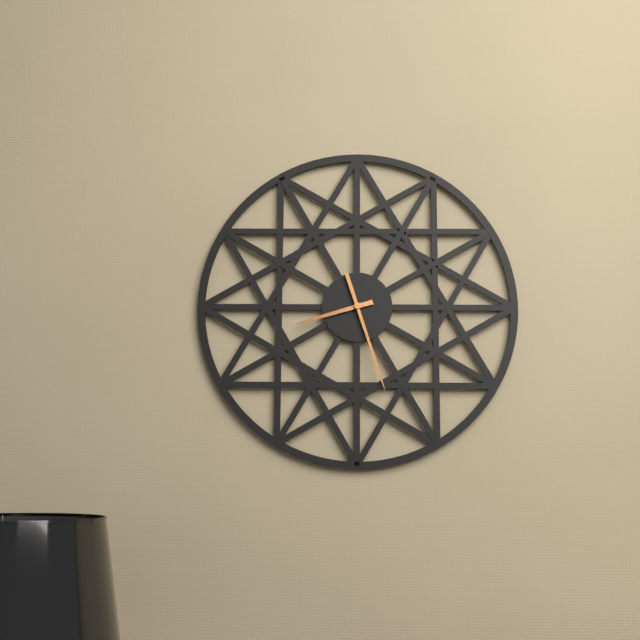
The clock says 8:27
